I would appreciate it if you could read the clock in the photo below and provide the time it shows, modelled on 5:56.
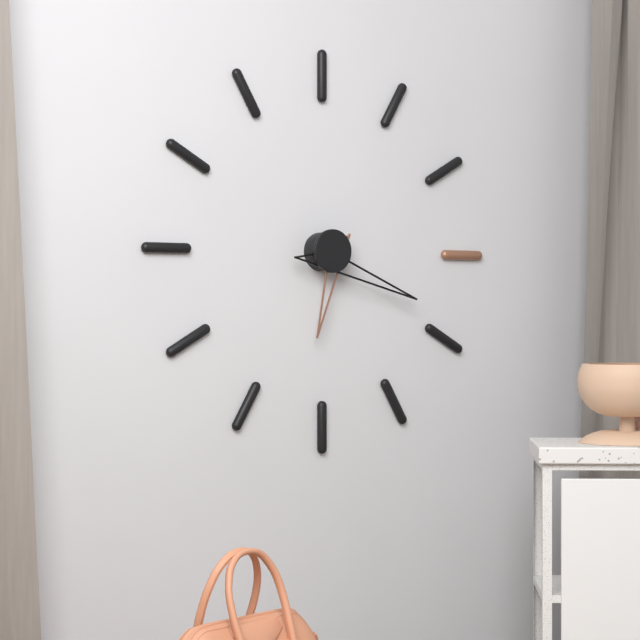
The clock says 6:19
